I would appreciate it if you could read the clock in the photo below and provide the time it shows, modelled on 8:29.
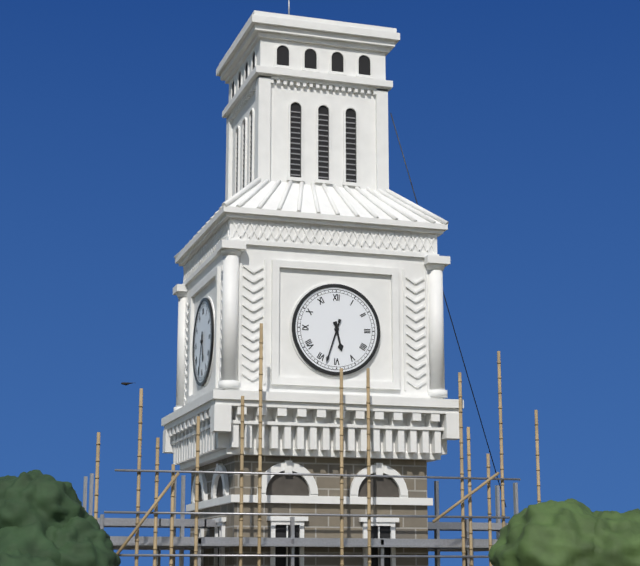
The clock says 5:33
